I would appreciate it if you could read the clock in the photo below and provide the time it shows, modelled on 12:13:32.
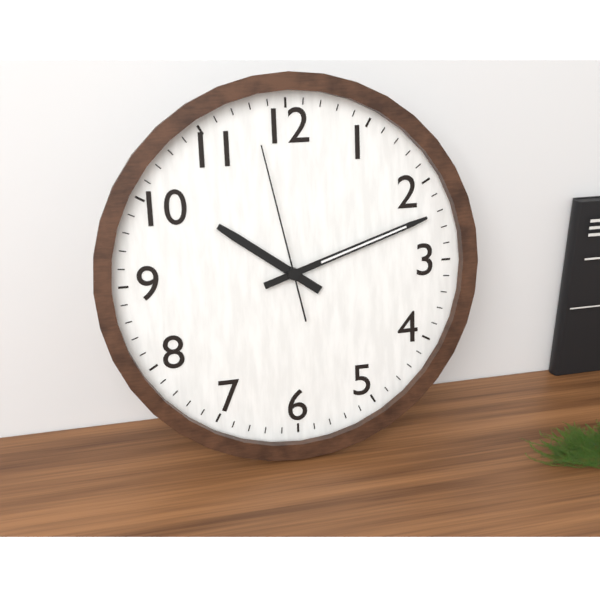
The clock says 10:12:58
